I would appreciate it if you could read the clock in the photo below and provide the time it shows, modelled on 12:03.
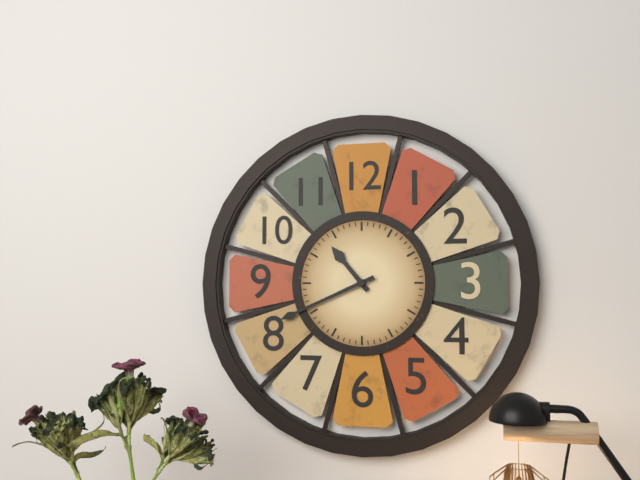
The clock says 10:41
